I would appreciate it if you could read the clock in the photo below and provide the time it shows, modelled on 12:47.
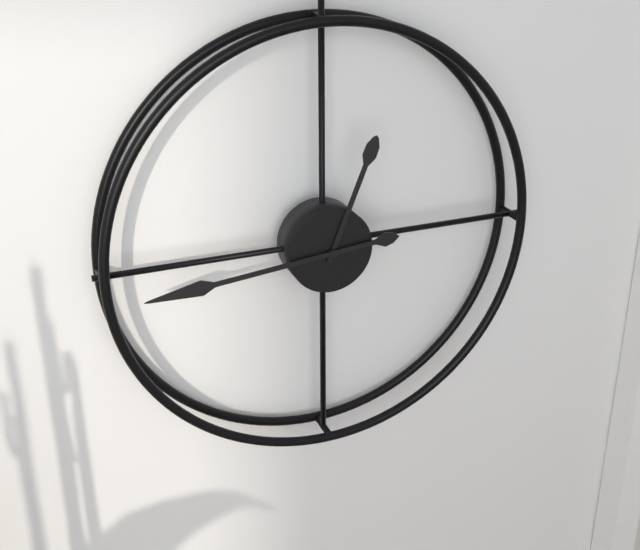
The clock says 12:44
